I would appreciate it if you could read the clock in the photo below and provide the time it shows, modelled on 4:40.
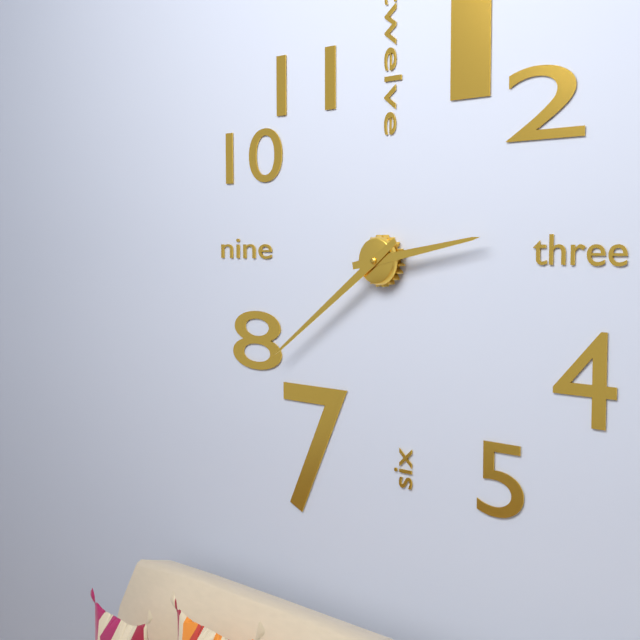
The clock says 2:39
